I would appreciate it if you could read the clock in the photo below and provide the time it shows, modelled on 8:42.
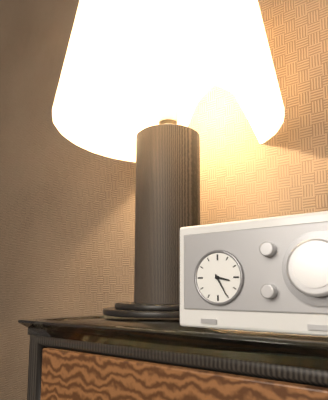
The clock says 3:25
